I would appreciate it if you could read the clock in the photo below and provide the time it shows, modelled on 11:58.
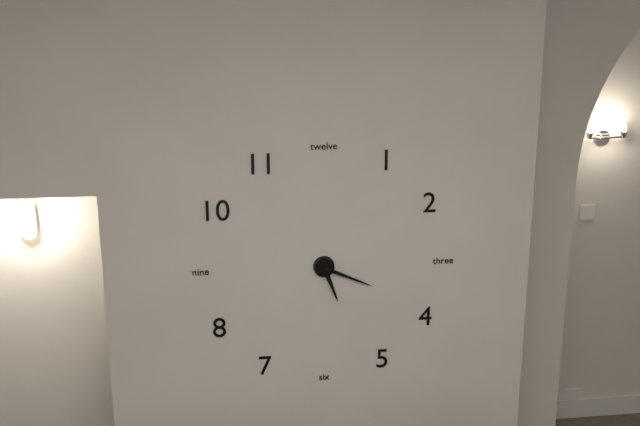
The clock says 5:19
